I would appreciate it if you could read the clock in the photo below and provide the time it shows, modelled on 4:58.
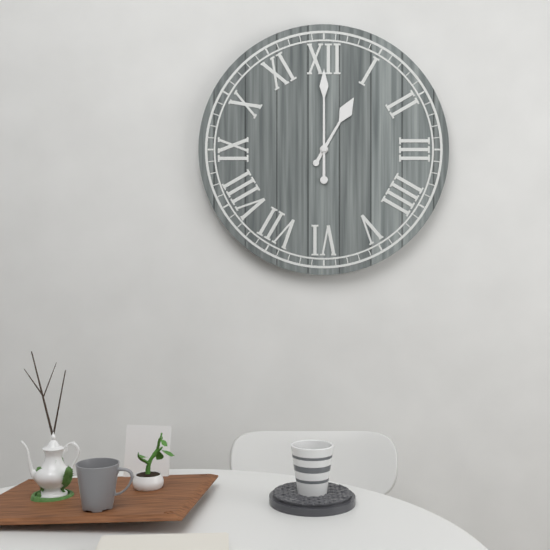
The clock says 1:00
